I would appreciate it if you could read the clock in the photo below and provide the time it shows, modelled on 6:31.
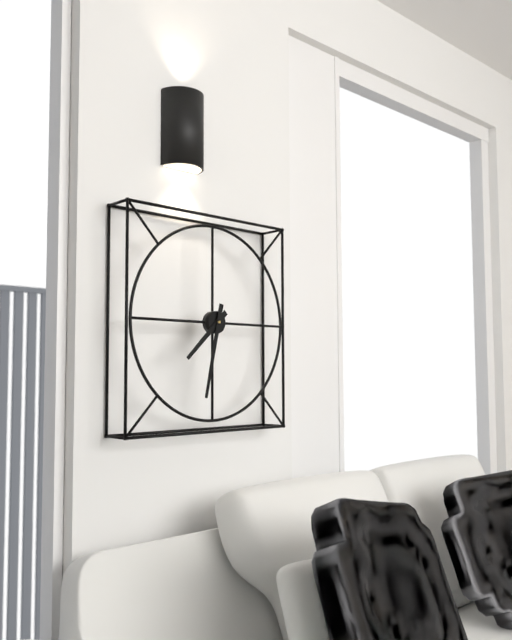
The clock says 7:32
